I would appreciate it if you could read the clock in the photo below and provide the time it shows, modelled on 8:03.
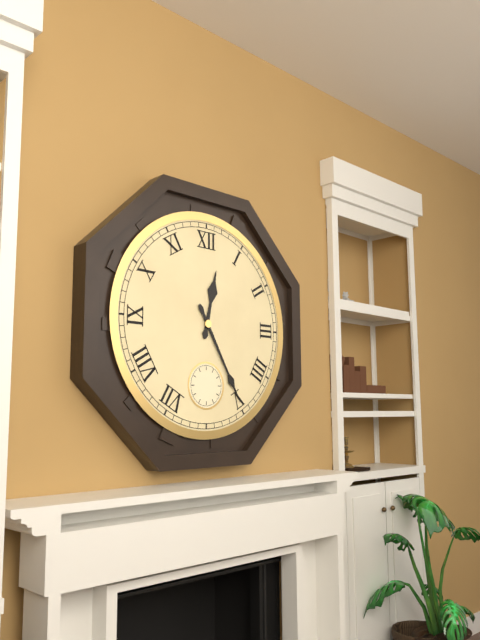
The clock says 12:25
